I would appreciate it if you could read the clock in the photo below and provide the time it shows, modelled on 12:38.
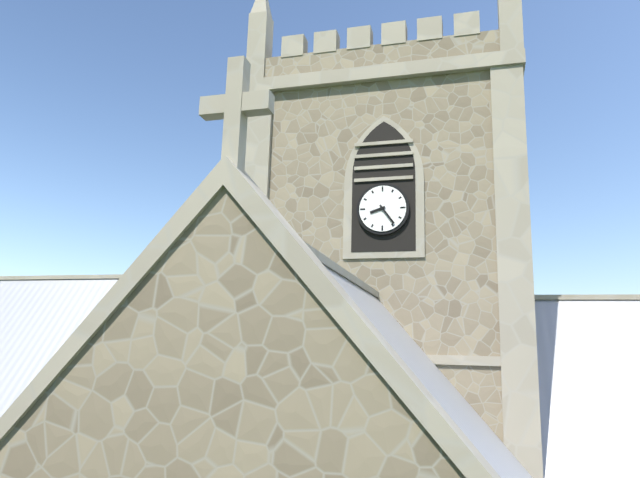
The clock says 8:24
